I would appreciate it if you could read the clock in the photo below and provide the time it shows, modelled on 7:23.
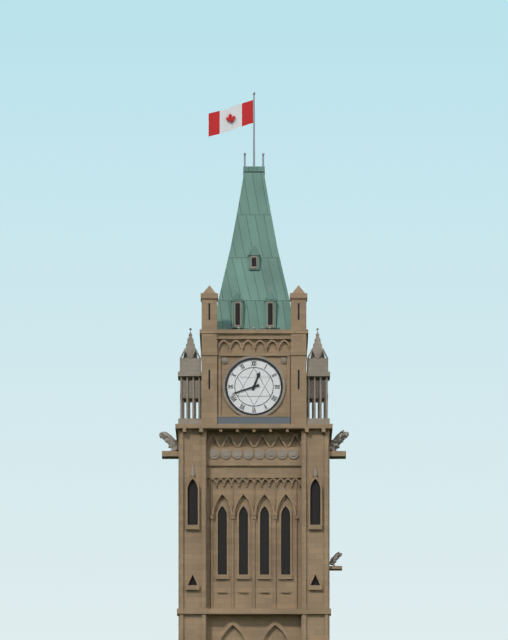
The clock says 12:42
